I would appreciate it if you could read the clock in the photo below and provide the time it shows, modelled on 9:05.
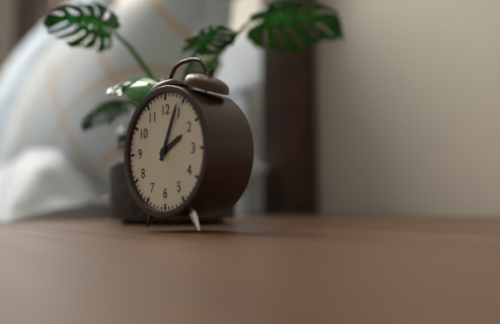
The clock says 2:04
